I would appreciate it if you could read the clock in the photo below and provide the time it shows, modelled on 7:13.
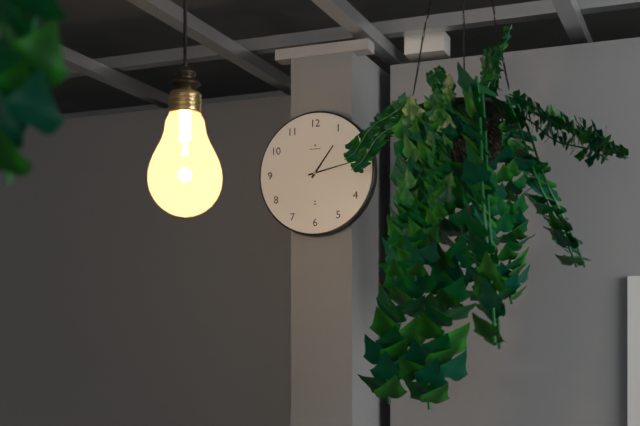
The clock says 1:13
